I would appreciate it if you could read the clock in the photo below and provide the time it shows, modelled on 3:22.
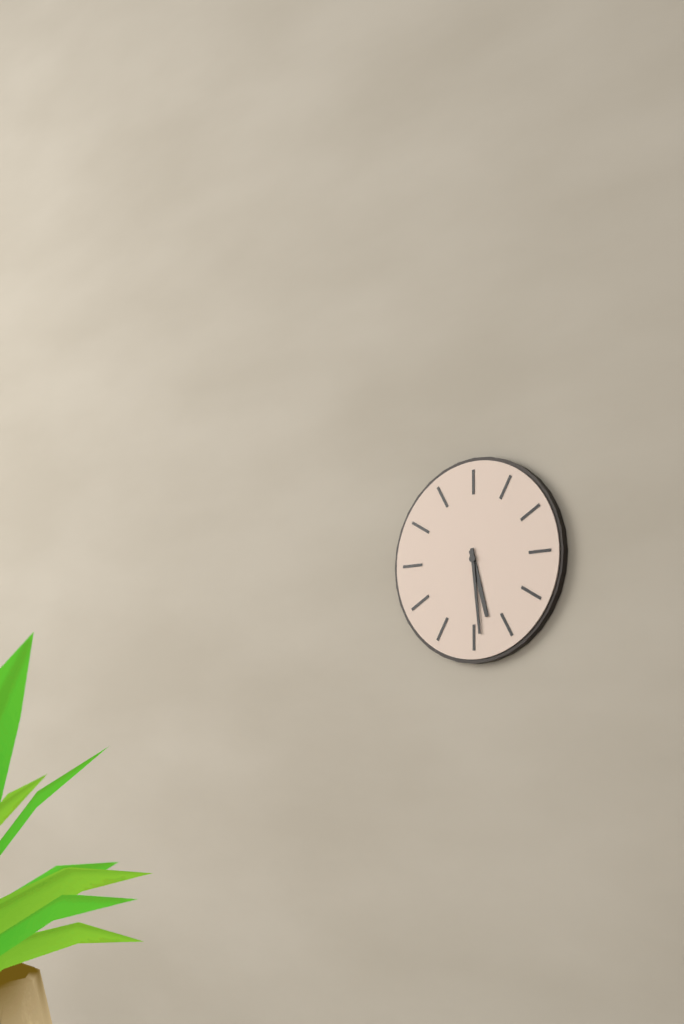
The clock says 5:29
